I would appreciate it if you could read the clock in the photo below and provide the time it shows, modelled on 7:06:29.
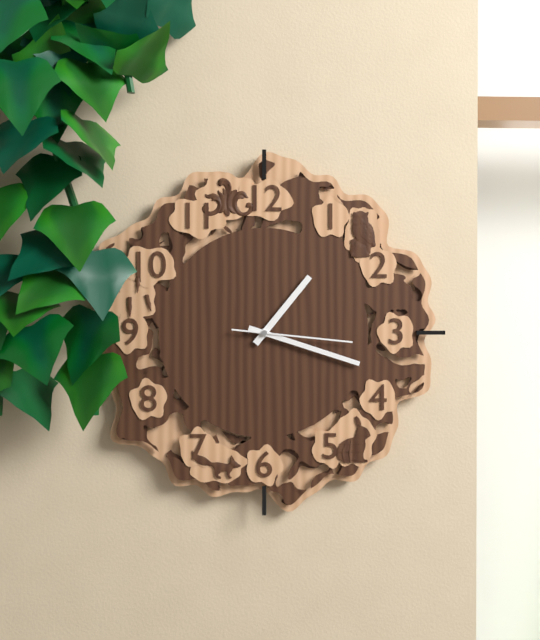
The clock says 1:18:16
